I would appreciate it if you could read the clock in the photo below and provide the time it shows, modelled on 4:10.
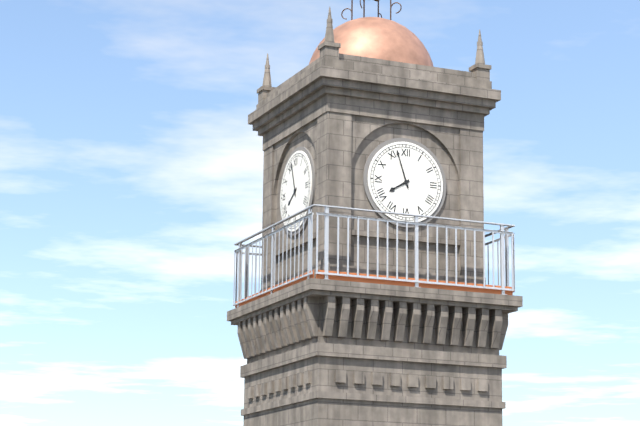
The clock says 7:57
